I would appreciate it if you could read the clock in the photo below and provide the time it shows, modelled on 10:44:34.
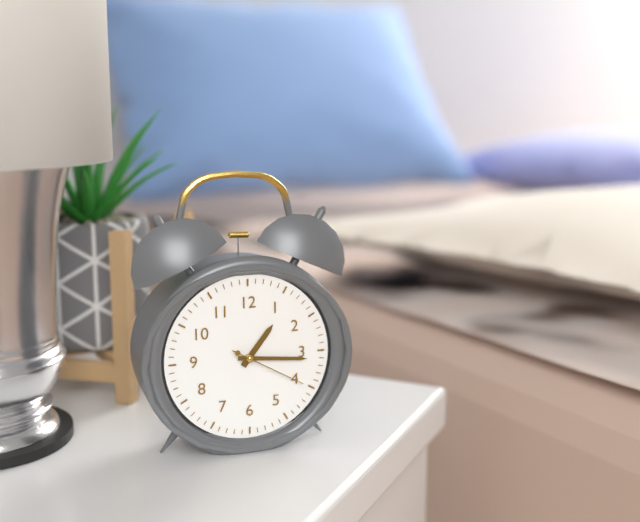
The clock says 1:16:20
